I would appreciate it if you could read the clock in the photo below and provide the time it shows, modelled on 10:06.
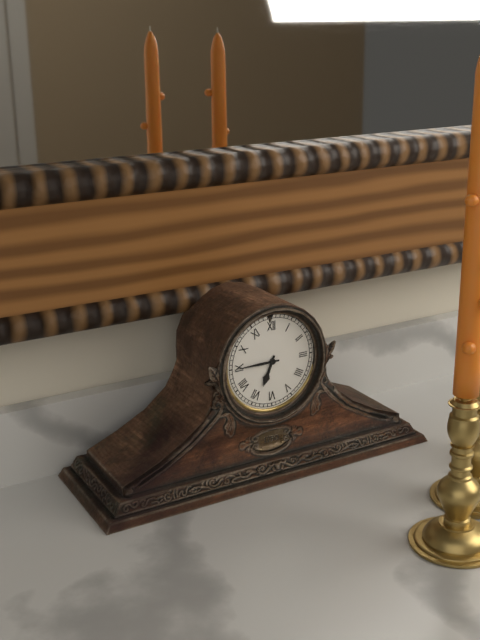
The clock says 6:45
